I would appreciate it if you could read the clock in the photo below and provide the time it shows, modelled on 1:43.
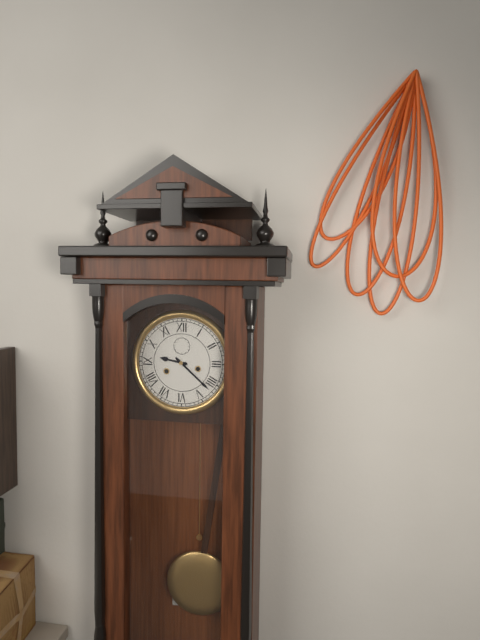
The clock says 9:22
